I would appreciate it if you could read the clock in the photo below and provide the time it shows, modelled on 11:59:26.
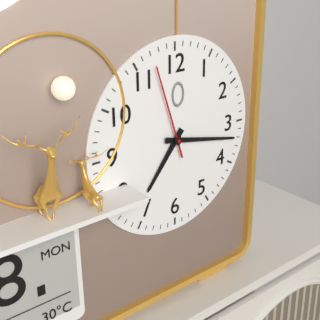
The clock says 7:17:57
